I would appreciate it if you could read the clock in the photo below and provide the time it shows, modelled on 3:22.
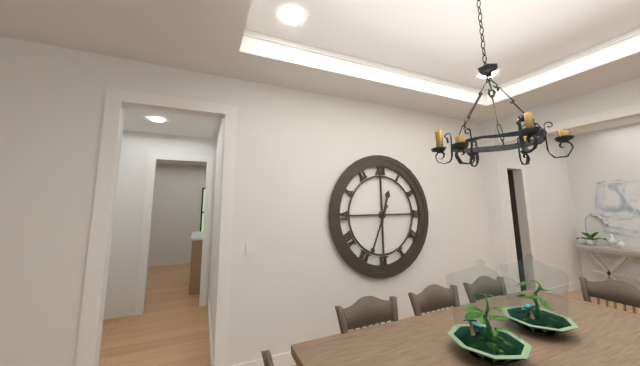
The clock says 12:34
